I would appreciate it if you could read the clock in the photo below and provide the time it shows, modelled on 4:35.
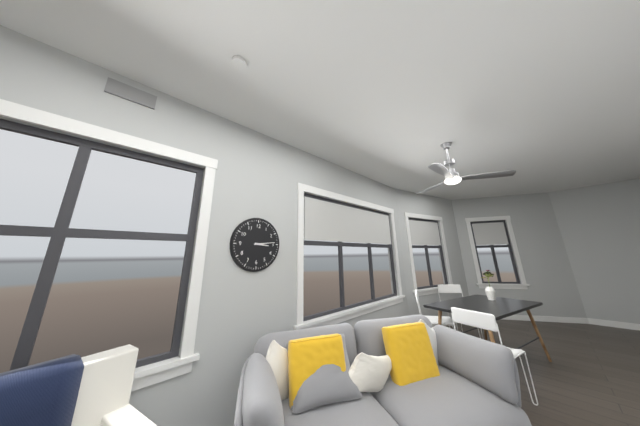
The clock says 3:14
